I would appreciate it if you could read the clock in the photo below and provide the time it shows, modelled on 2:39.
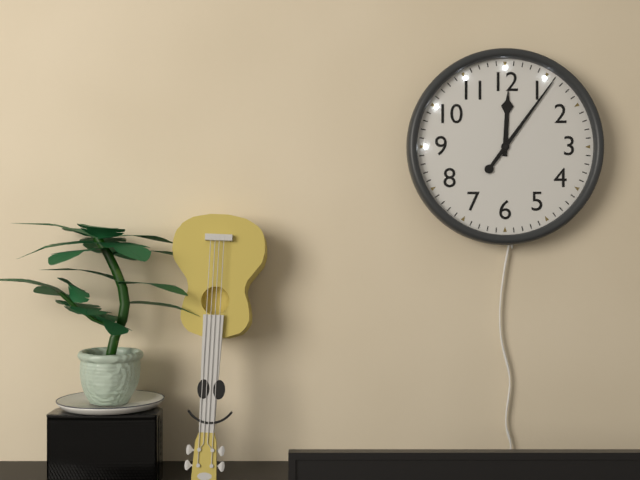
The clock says 12:06
